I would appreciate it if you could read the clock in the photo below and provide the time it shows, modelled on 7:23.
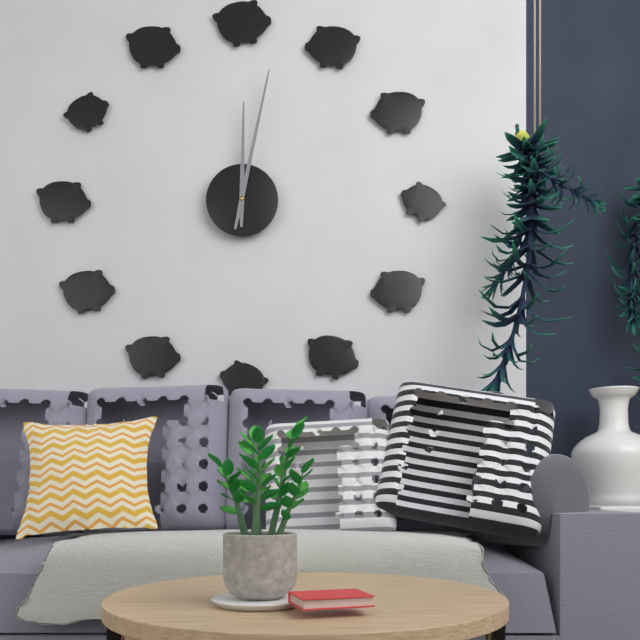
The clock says 12:02
